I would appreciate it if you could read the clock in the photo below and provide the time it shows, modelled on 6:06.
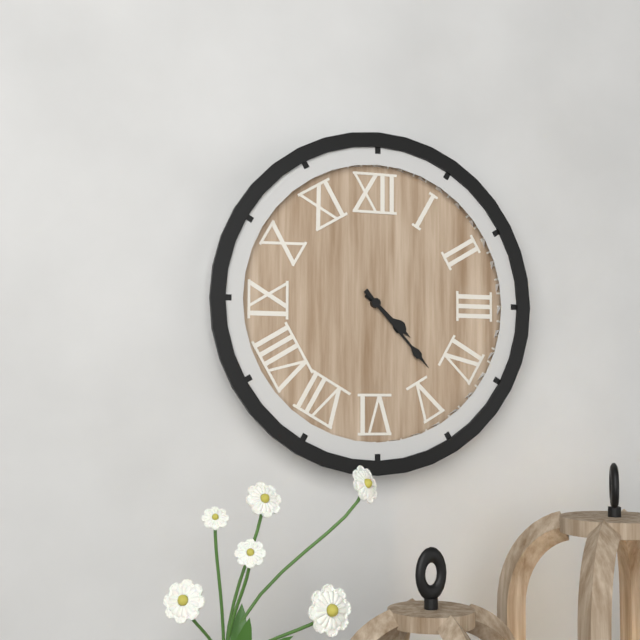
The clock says 4:23
